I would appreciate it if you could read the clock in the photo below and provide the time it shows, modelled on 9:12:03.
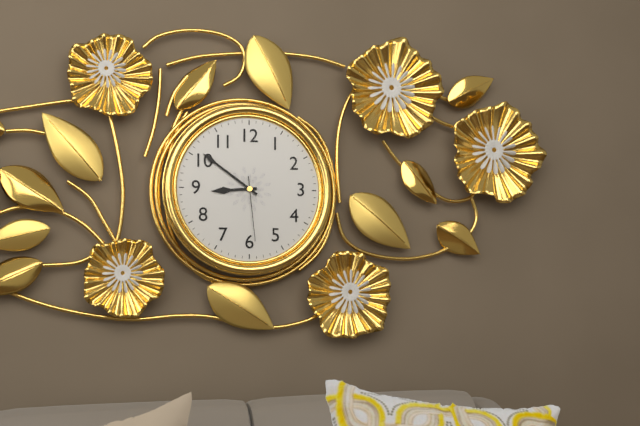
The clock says 8:51:29
